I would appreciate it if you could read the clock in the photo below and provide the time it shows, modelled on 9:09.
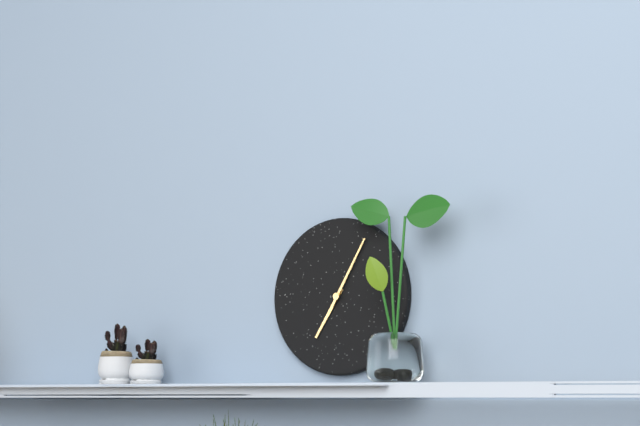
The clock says 7:05
